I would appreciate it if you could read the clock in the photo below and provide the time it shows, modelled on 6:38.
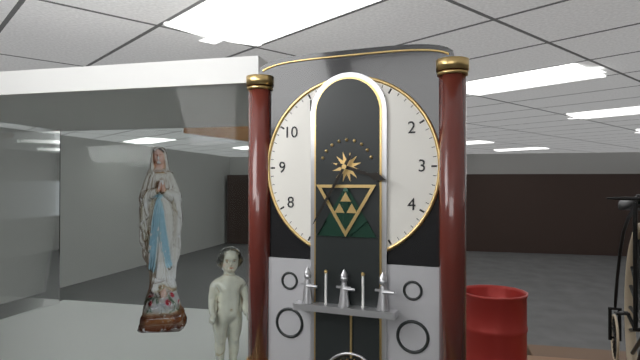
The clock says 3:35
